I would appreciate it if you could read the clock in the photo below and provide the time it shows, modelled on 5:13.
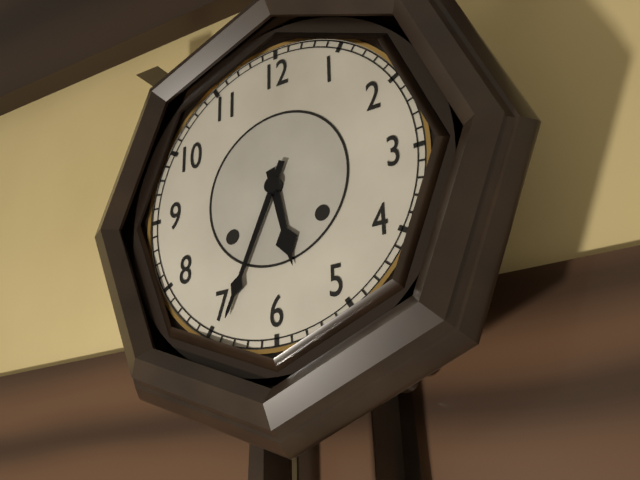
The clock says 5:34
